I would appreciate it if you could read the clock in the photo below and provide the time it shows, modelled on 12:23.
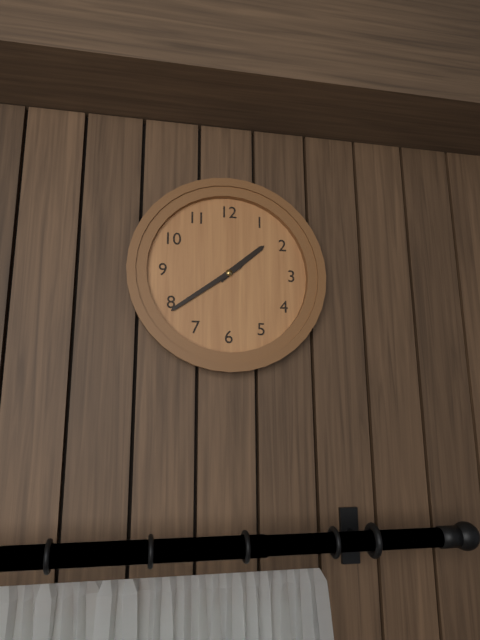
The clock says 1:39
